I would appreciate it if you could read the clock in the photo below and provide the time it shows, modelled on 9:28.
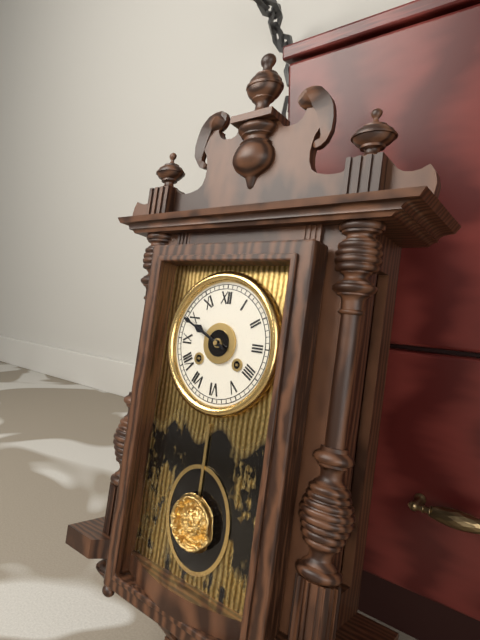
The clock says 9:49
